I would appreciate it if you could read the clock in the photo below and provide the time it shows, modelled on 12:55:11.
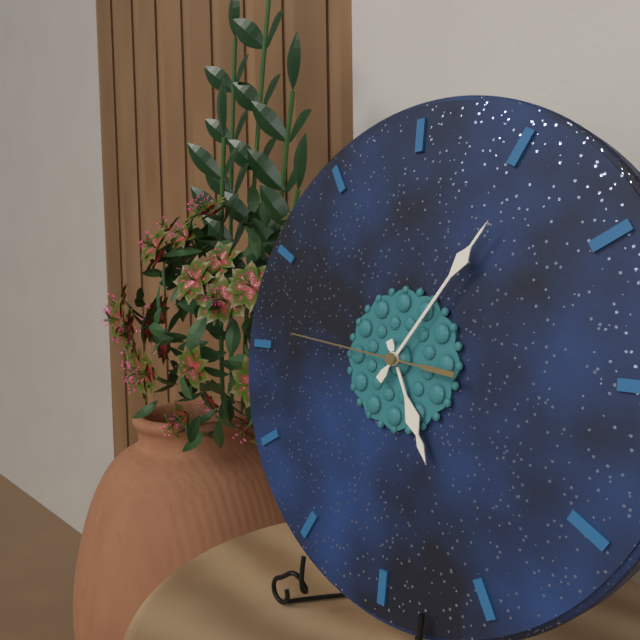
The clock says 5:06:46
